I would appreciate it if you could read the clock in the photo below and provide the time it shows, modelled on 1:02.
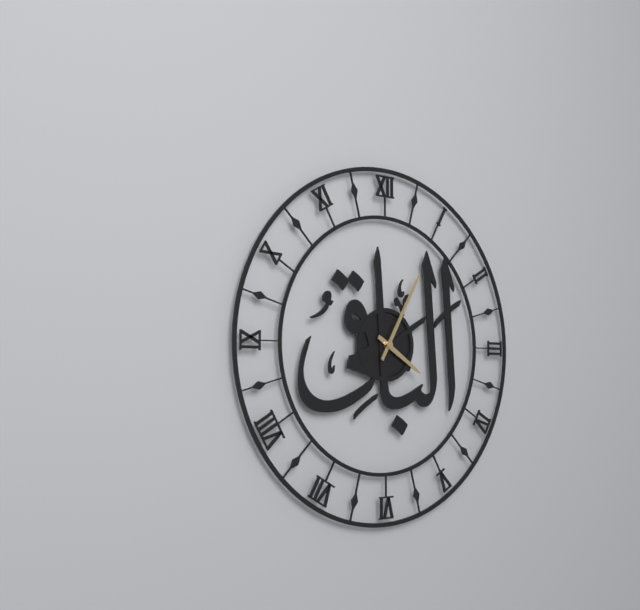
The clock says 4:05
